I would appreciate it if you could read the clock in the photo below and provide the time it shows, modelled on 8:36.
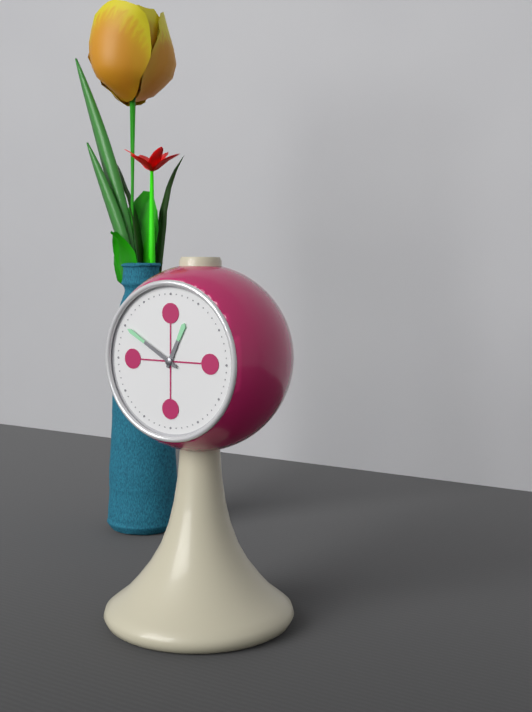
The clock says 12:50
